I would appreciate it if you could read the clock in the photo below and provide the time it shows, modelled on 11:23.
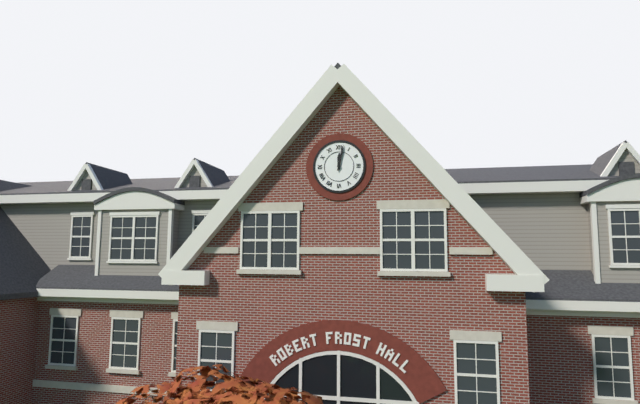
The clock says 12:02
